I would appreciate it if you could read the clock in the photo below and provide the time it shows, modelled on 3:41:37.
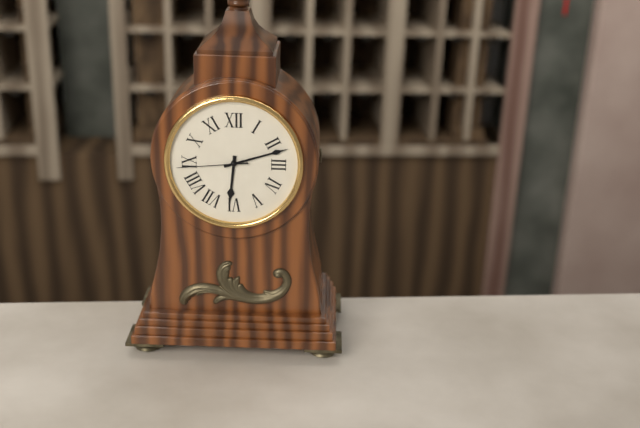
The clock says 6:12:44
